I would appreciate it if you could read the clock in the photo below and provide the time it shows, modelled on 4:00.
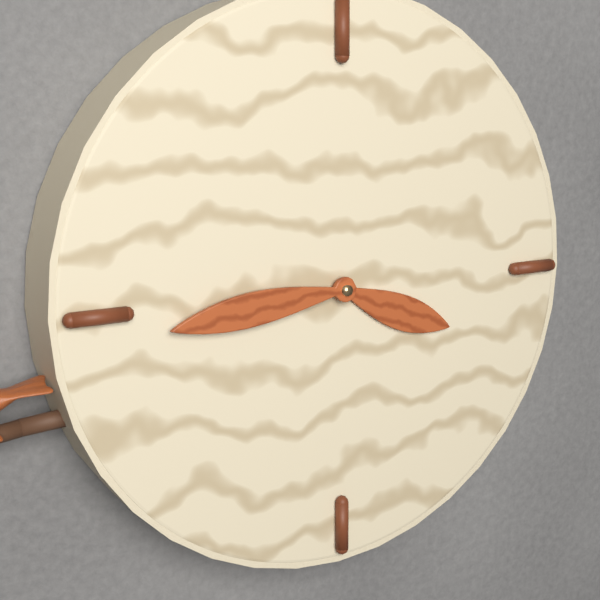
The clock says 3:44
